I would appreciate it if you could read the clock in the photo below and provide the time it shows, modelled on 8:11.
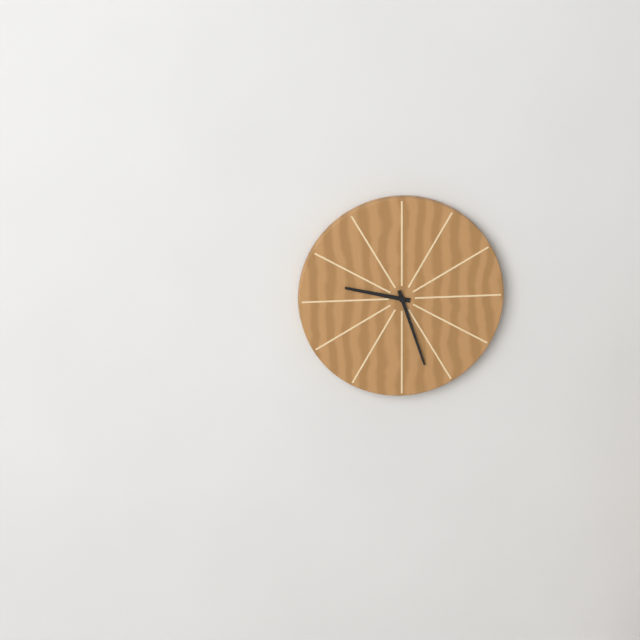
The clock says 9:27
